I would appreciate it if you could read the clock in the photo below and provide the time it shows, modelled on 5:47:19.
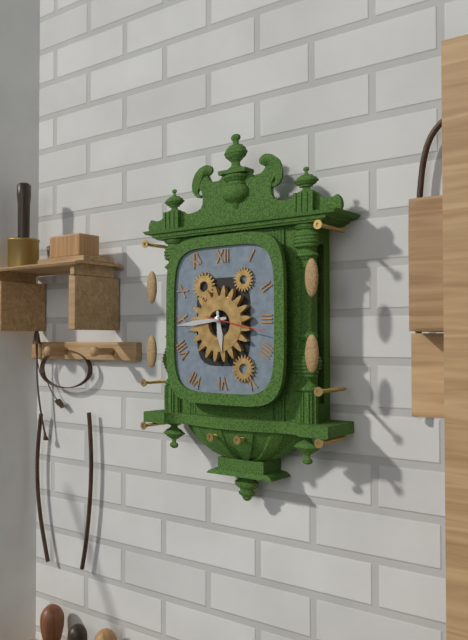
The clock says 5:44:17
